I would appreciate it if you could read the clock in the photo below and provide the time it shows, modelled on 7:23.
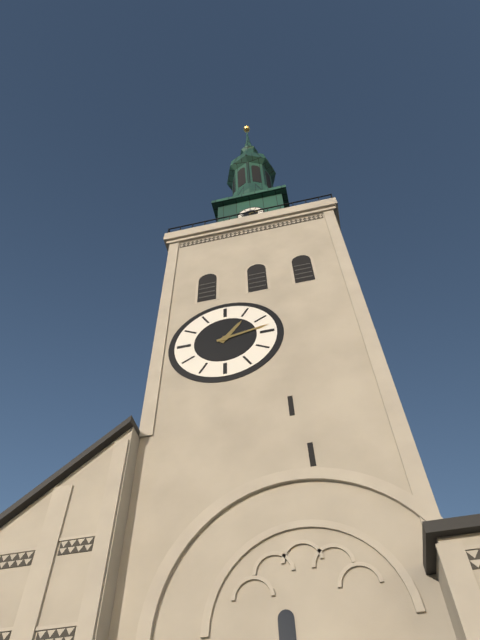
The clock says 1:13
